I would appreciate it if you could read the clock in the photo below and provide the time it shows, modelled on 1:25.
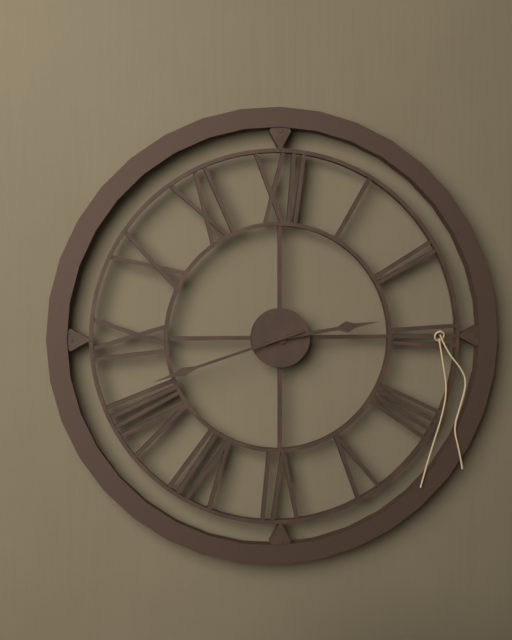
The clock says 2:42
